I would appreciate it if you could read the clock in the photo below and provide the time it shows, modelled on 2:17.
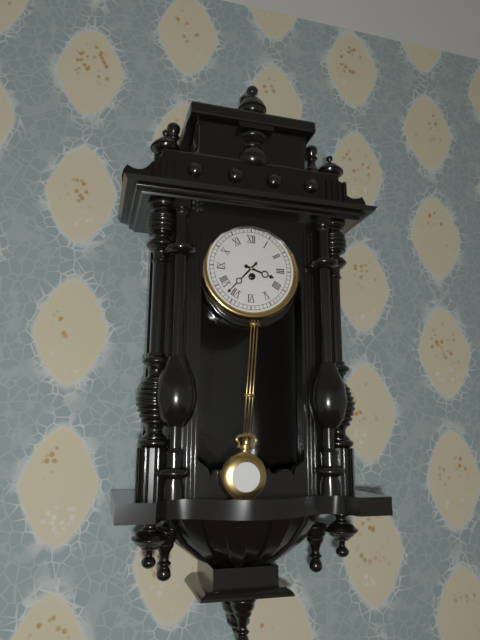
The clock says 3:37
